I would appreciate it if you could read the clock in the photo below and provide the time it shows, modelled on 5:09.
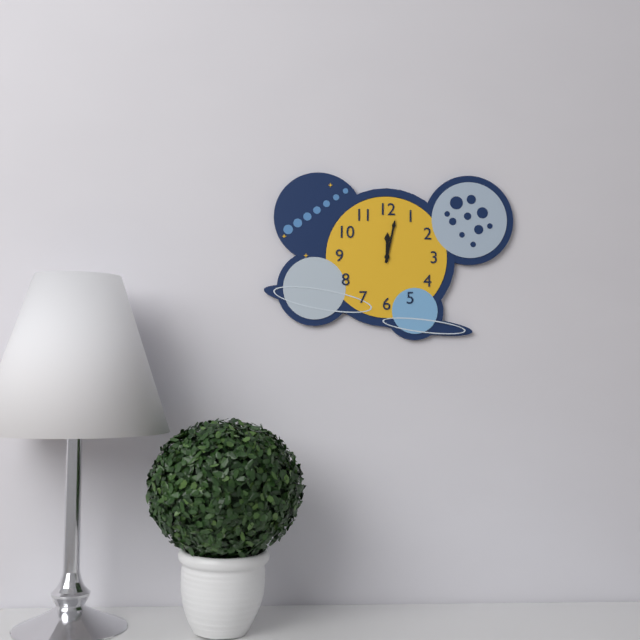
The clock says 12:02
